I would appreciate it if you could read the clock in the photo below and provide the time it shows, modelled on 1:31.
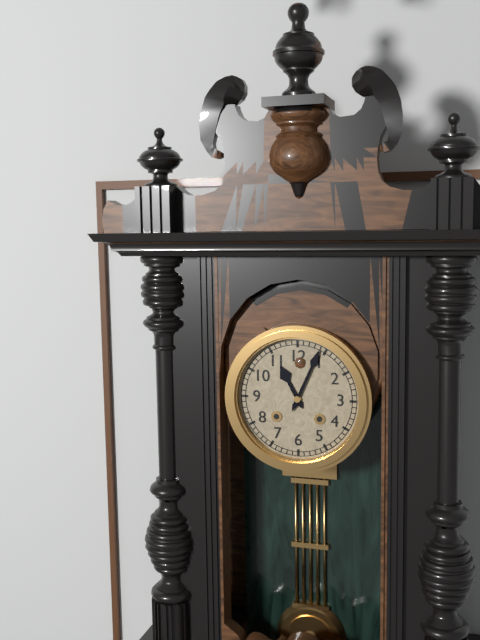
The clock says 11:04
